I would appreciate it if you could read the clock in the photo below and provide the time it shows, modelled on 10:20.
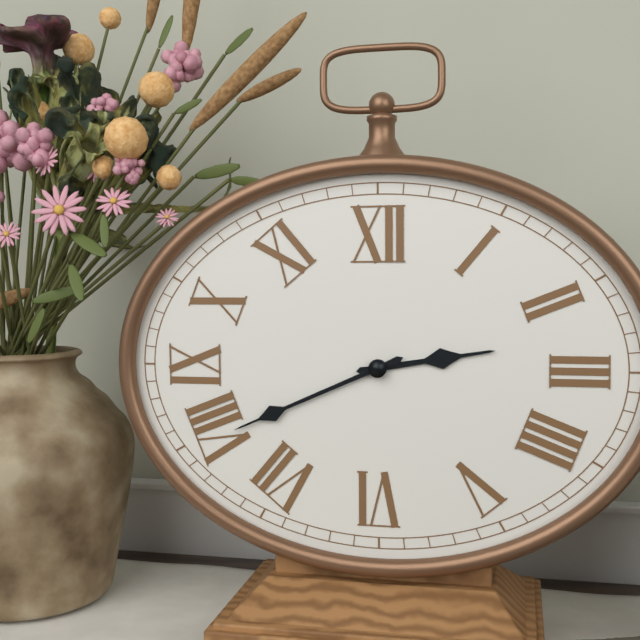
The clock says 2:41
